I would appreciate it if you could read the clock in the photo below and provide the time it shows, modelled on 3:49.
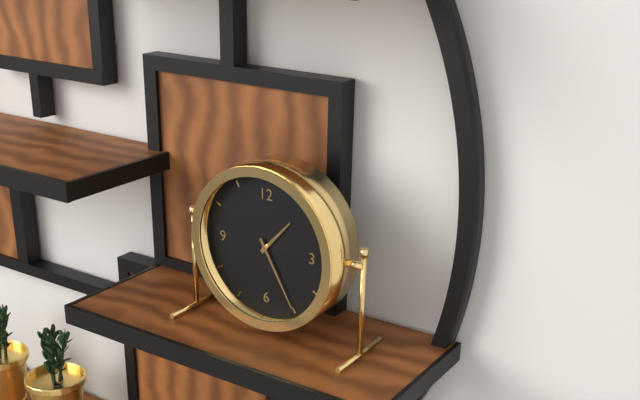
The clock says 1:25
